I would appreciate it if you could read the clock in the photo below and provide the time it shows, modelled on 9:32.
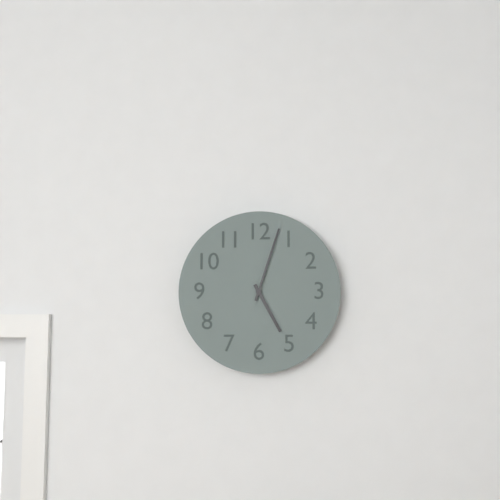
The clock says 5:03
